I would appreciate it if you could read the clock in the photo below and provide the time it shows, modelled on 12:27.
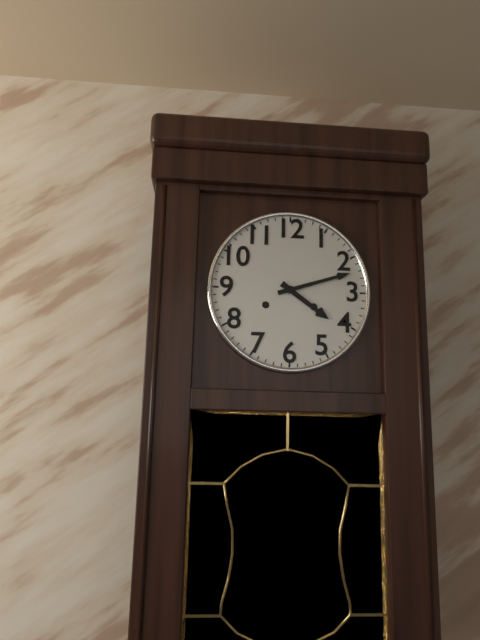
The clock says 4:12
